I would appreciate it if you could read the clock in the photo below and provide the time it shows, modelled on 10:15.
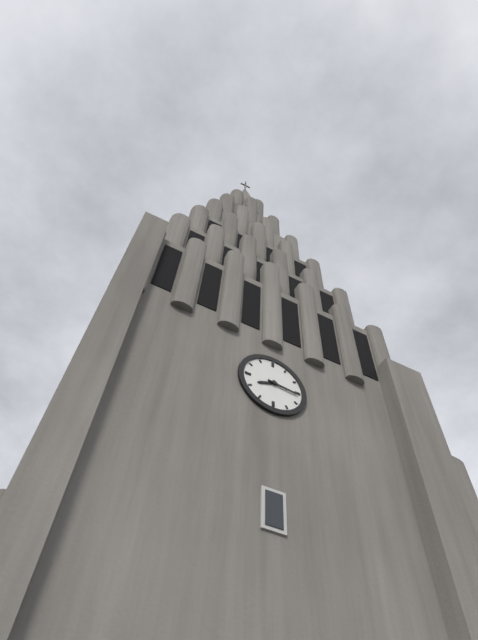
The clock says 8:16
